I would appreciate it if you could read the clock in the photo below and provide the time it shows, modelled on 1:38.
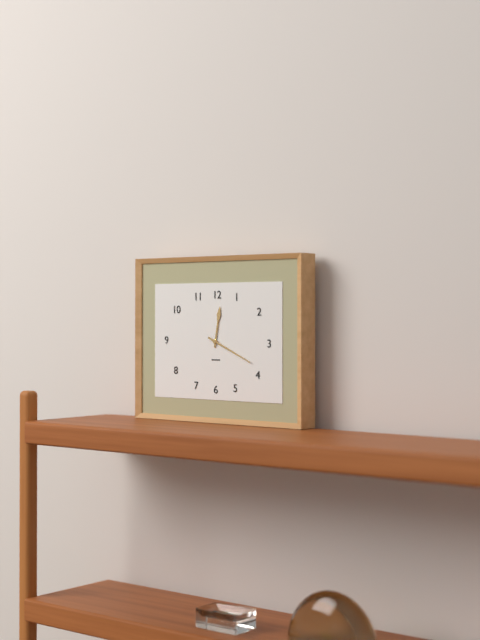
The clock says 12:19
